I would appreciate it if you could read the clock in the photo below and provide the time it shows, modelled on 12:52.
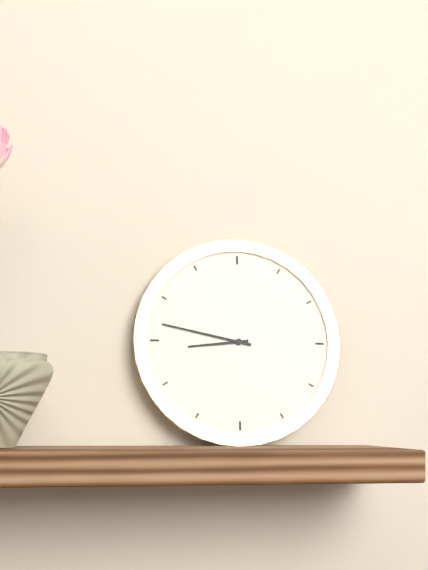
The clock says 8:47
